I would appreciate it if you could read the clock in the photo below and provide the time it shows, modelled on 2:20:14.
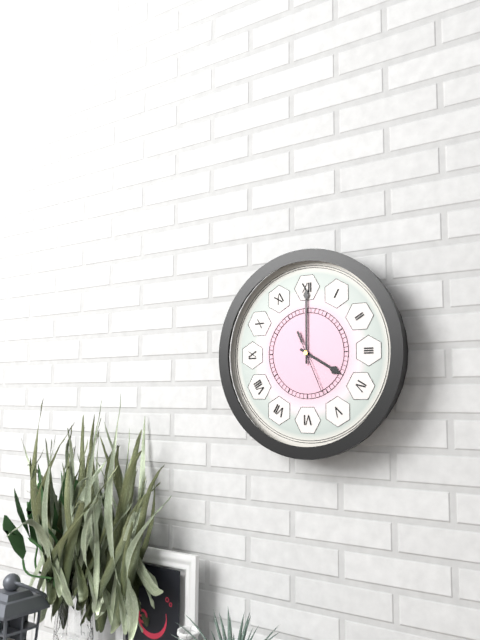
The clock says 4:00:26
